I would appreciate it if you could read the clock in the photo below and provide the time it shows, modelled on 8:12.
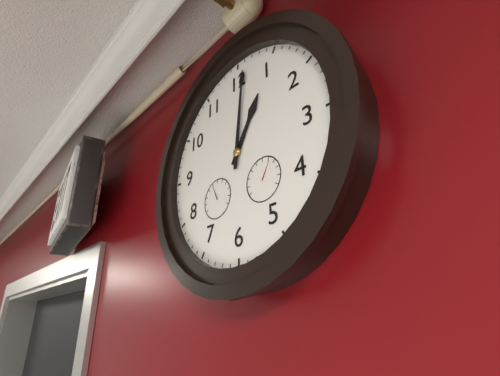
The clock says 1:01
